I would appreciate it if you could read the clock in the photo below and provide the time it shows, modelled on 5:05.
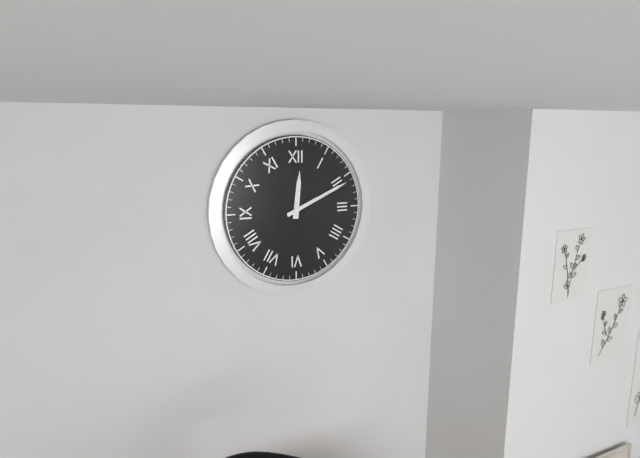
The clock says 12:11
